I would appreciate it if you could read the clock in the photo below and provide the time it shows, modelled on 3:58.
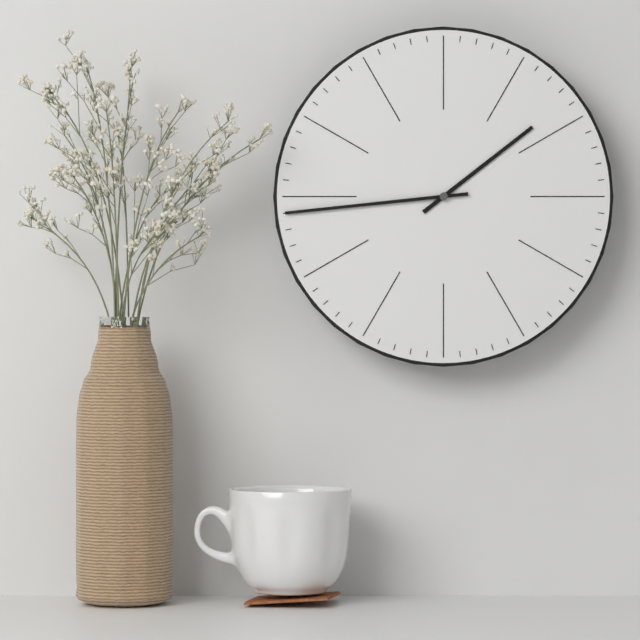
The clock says 1:44
